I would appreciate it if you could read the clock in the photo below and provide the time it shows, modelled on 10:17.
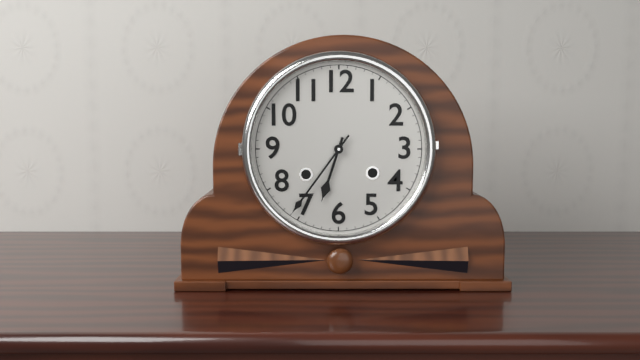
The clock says 6:36
